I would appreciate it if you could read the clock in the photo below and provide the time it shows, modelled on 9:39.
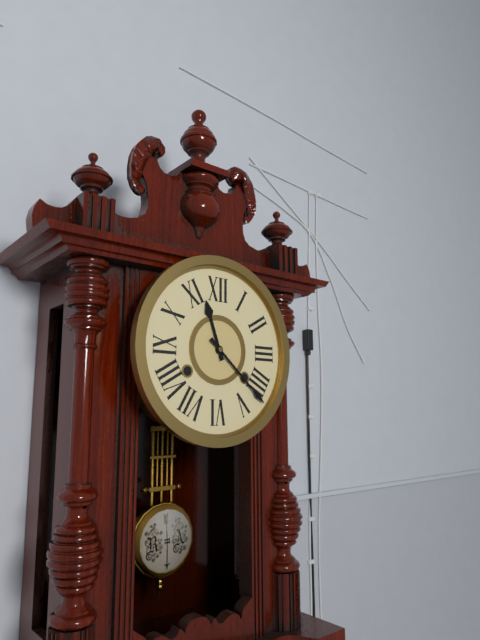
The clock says 11:22
